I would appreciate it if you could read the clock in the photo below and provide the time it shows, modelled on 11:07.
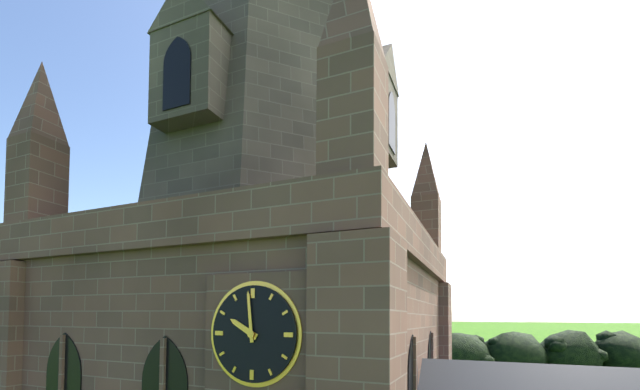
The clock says 9:59
